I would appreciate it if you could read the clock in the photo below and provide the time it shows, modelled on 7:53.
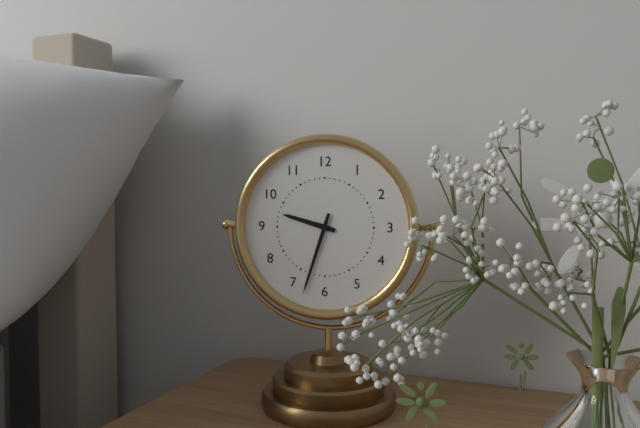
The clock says 9:33
